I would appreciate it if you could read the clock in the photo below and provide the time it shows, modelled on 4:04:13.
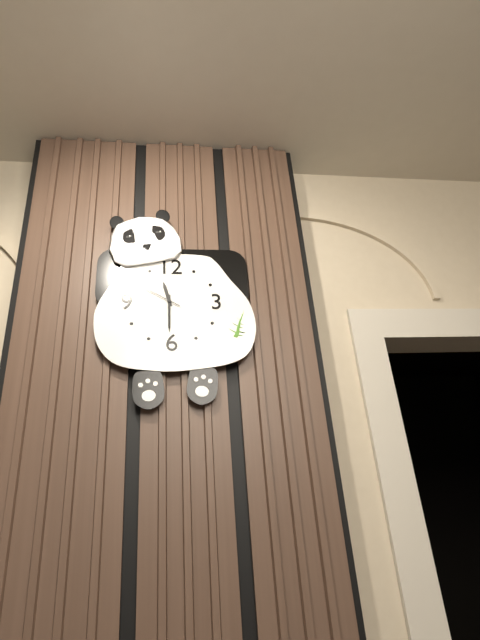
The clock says 11:30:50
